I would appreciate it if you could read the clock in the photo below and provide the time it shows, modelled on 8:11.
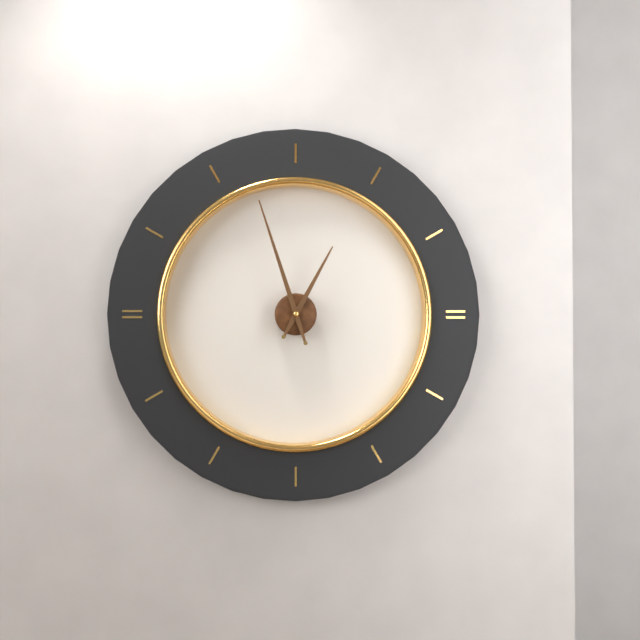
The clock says 12:57
